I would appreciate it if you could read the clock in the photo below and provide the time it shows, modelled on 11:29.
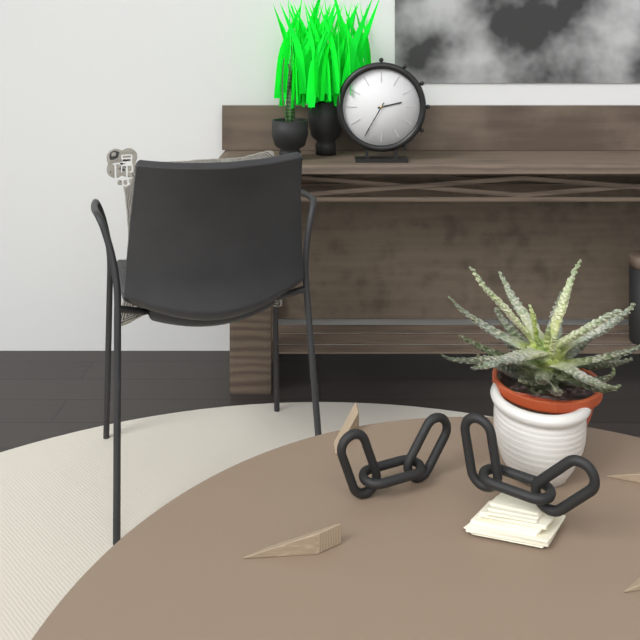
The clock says 2:35
